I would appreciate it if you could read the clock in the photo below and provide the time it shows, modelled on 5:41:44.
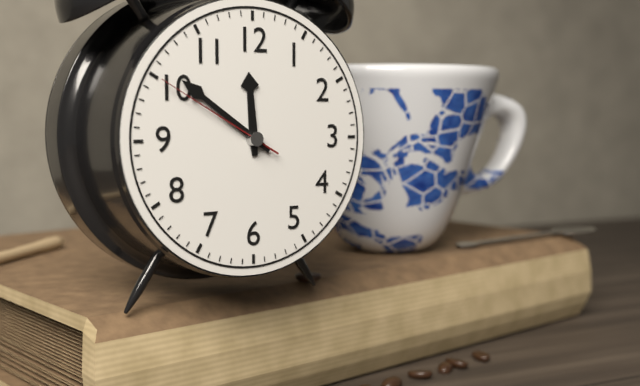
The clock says 11:51:50
